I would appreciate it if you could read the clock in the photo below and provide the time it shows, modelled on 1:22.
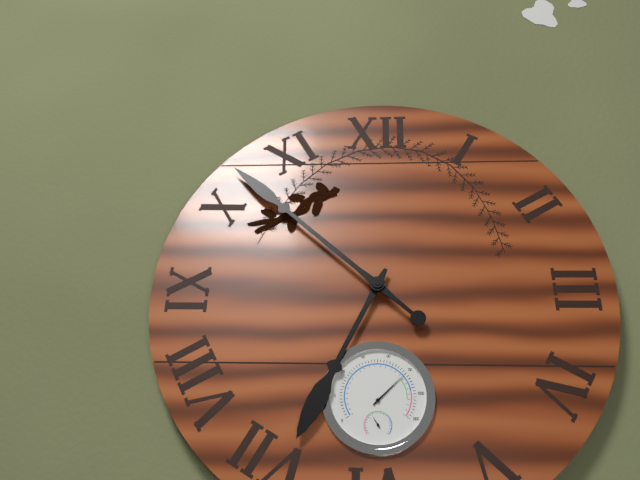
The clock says 6:52
